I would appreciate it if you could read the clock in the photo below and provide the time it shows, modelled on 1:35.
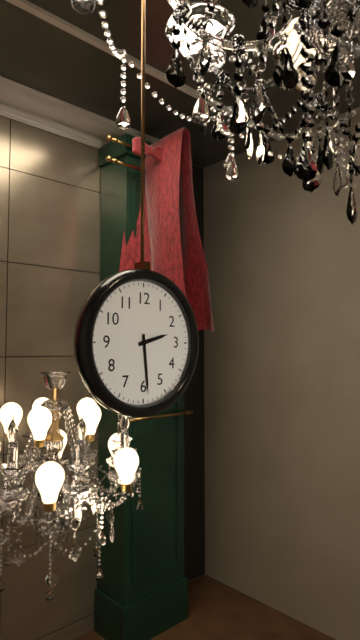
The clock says 2:29
